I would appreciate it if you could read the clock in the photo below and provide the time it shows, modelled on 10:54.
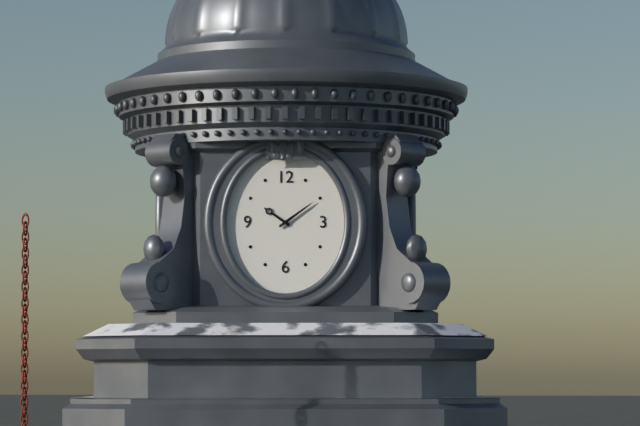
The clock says 10:09
